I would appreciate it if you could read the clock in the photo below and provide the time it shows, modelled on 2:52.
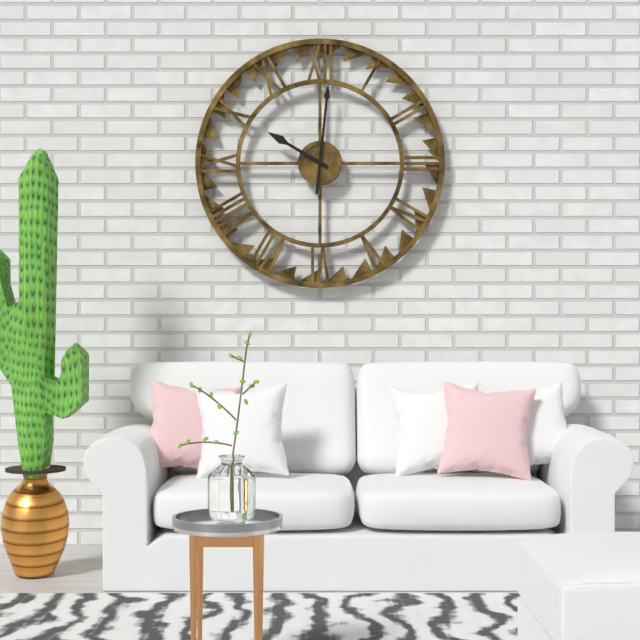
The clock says 10:01
